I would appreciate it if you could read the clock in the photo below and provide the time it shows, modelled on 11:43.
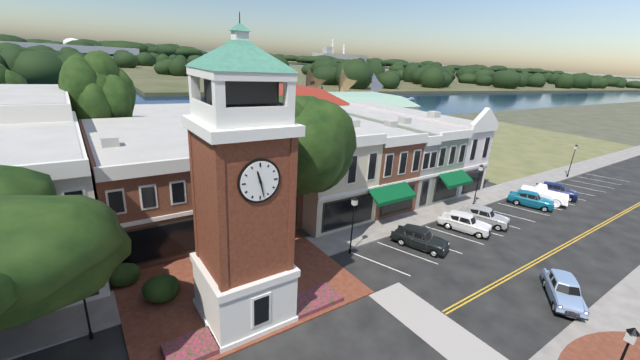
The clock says 11:28
